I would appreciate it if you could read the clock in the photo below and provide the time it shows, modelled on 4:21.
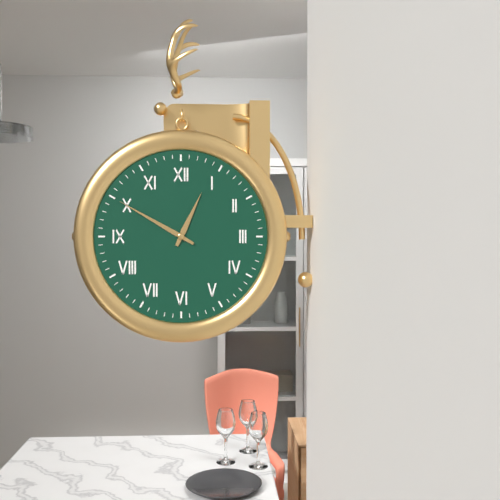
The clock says 12:50
